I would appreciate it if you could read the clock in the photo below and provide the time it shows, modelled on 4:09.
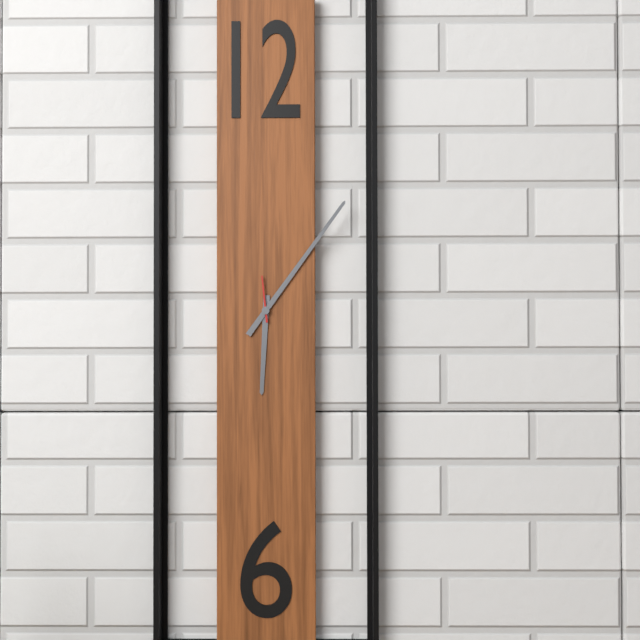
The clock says 6:06
